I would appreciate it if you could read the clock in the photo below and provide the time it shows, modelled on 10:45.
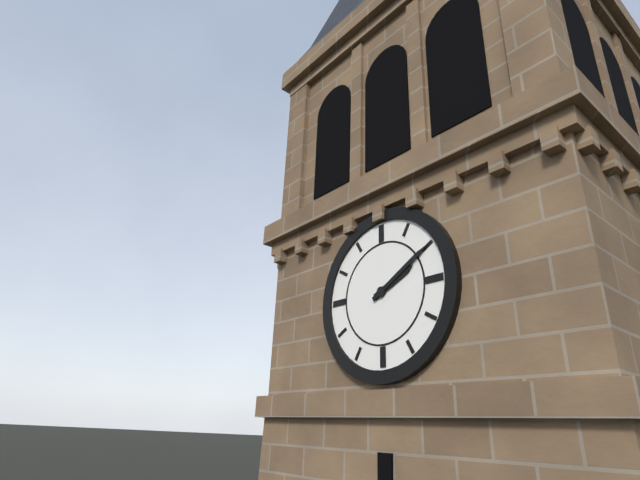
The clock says 2:10
